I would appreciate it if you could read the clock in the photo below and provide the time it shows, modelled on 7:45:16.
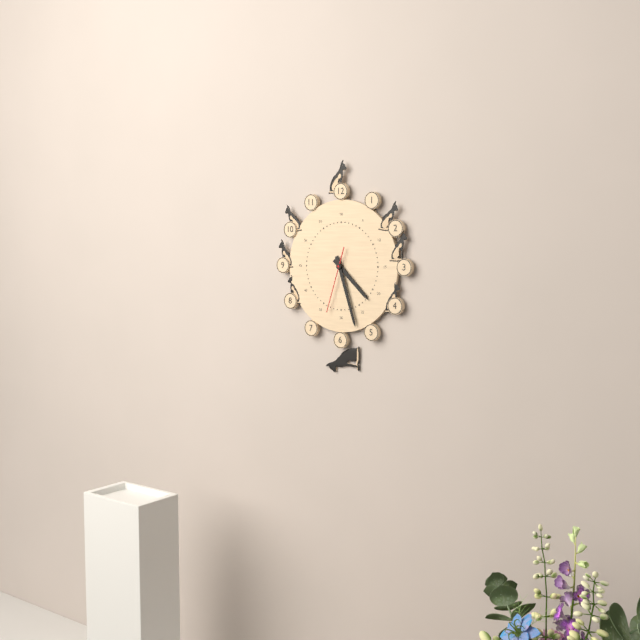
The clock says 4:27:33
